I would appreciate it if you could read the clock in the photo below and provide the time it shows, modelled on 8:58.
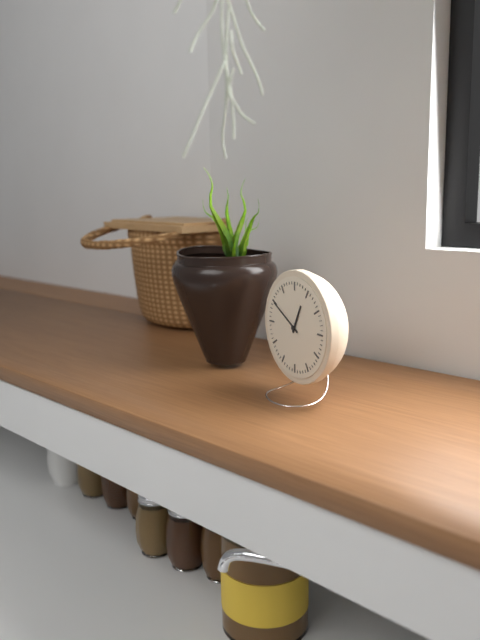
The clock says 12:50
